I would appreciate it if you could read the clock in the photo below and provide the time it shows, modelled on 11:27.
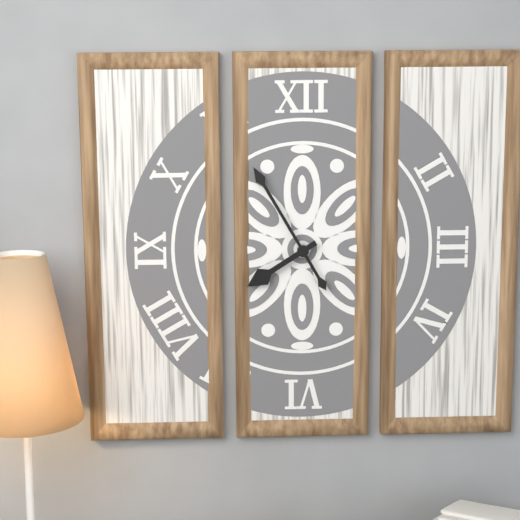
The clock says 7:55
